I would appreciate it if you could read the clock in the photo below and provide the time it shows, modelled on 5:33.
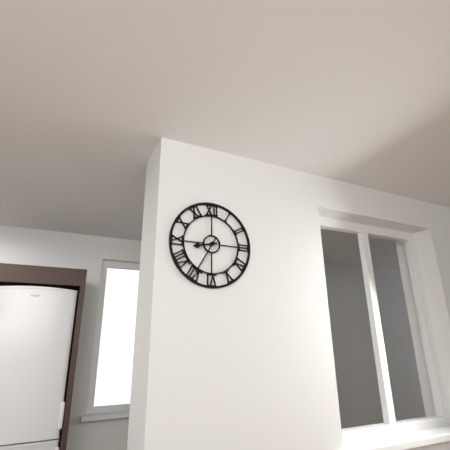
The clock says 8:35
